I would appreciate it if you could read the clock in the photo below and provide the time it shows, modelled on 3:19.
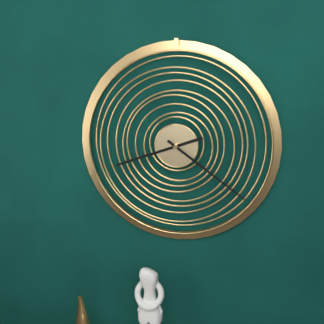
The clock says 8:21
